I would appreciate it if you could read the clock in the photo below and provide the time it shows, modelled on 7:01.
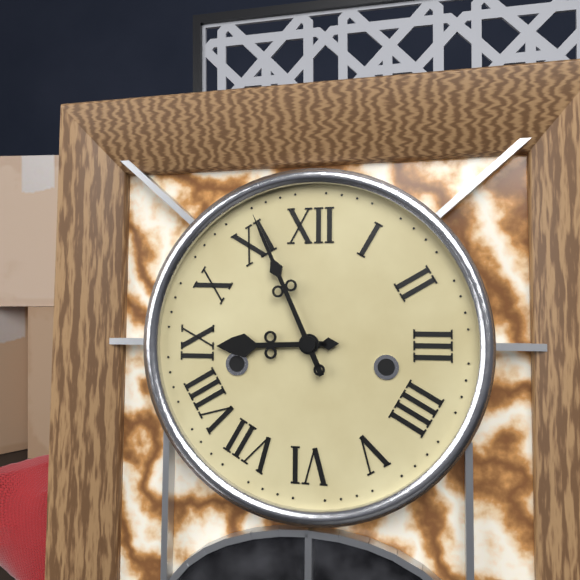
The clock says 8:56
